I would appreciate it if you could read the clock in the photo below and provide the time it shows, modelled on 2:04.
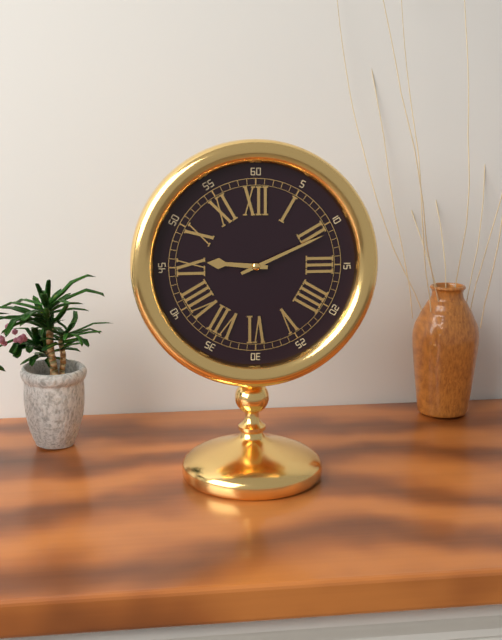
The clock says 9:11
